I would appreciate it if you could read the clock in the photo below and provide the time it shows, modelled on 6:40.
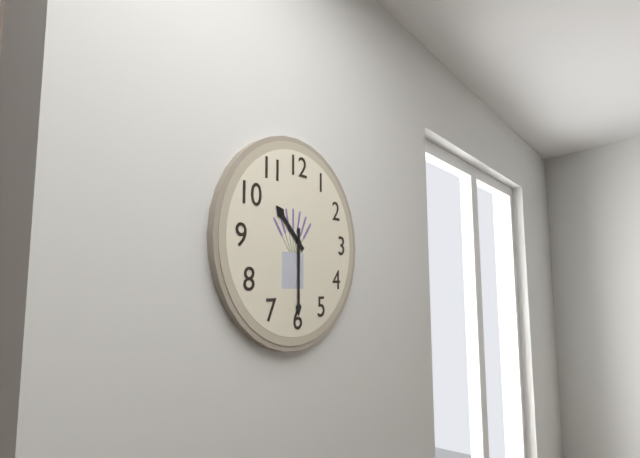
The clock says 10:30
